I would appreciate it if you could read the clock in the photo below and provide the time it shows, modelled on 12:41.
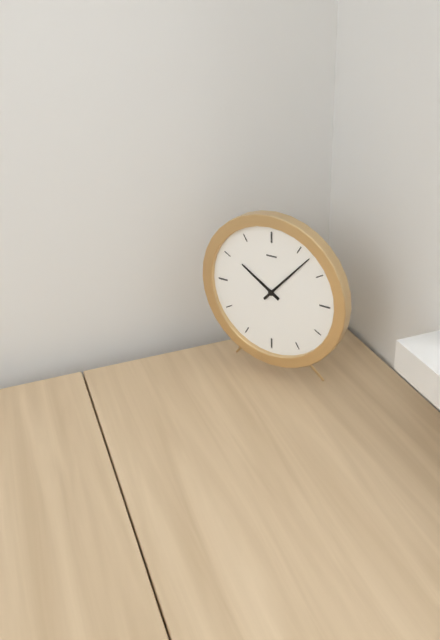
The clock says 10:07
